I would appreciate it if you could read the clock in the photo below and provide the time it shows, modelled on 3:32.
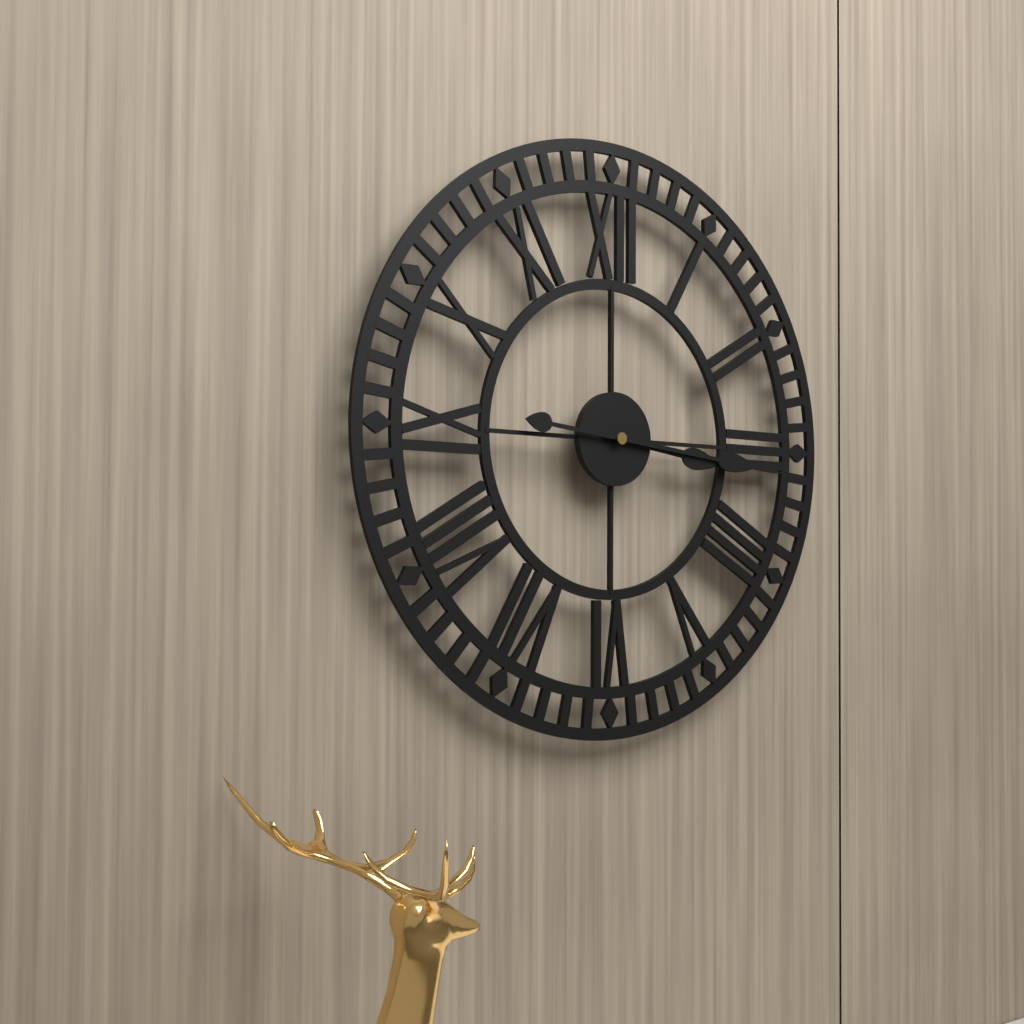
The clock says 3:16
